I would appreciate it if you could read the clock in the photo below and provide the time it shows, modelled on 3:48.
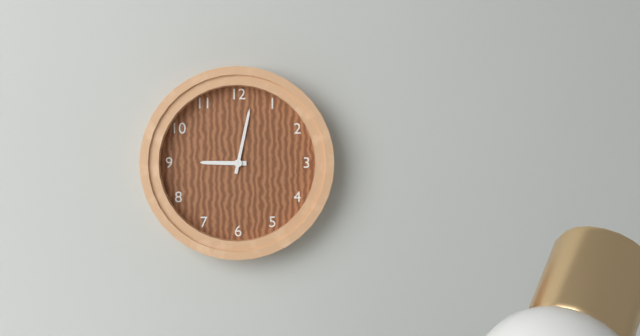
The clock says 9:02
